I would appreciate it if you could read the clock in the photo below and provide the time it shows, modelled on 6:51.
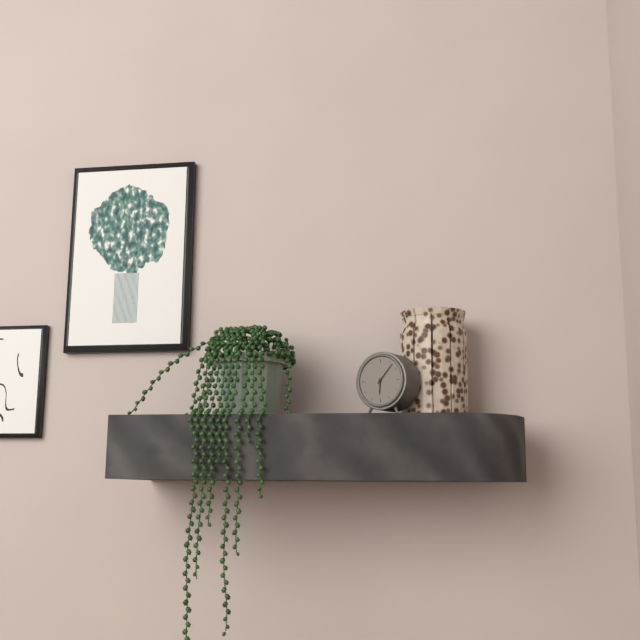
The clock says 6:07
